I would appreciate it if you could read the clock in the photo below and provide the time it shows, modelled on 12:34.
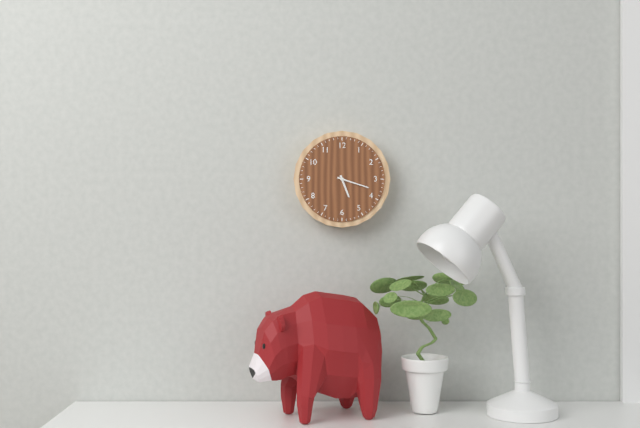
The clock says 5:18
